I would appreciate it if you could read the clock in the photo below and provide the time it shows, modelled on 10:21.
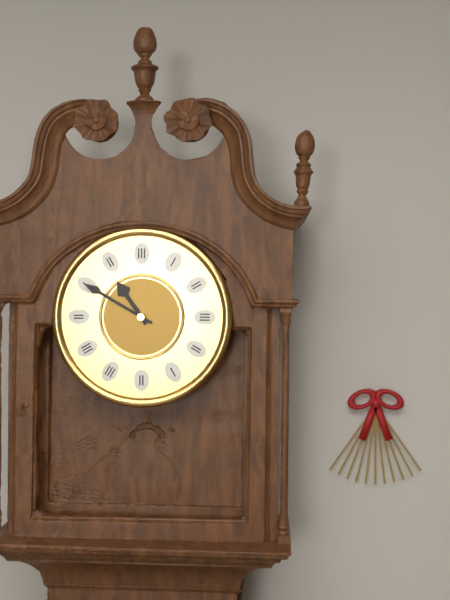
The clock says 10:50
